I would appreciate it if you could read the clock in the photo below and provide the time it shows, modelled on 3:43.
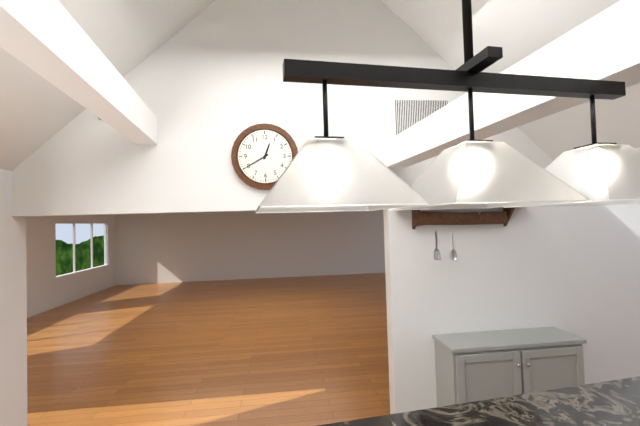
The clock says 12:40
